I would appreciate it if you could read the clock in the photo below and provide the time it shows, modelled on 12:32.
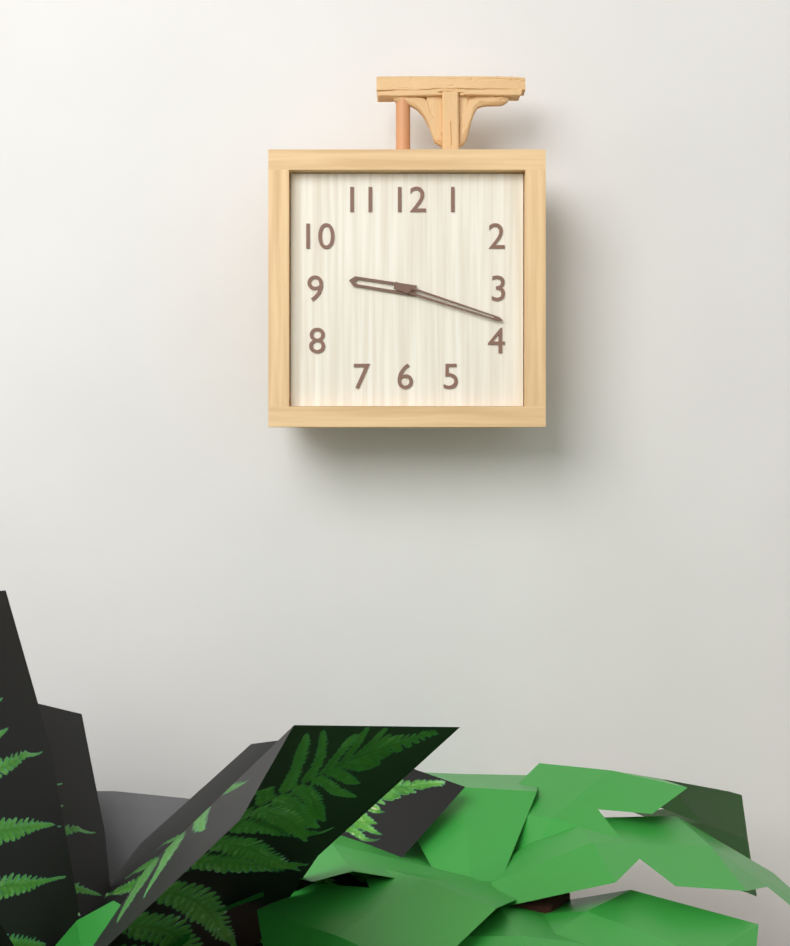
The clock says 9:18
